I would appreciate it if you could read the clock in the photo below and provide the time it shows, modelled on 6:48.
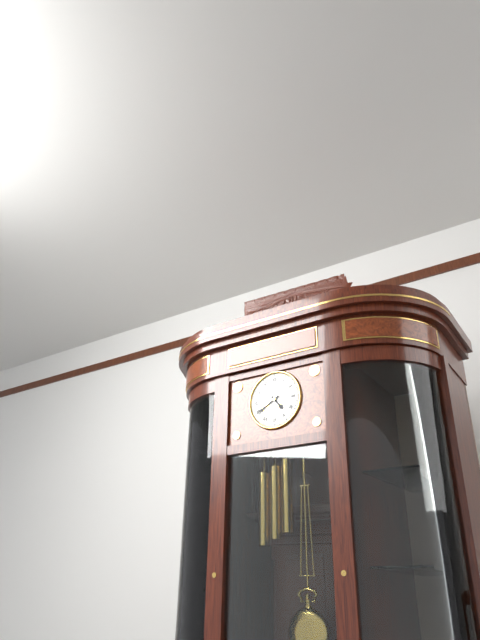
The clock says 4:40
